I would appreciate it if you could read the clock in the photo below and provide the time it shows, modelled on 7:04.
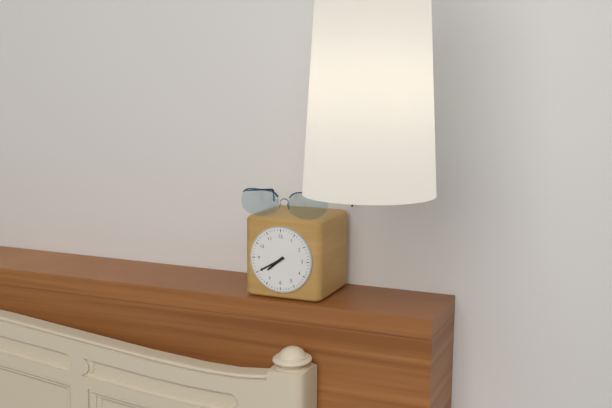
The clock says 7:40
